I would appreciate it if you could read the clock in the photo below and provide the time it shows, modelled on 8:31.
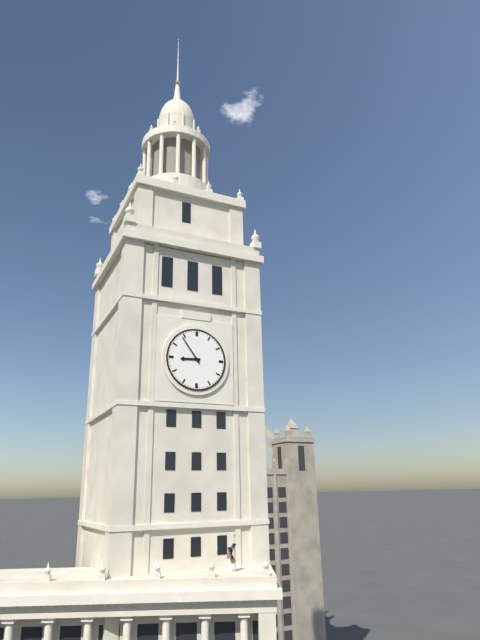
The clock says 8:54
